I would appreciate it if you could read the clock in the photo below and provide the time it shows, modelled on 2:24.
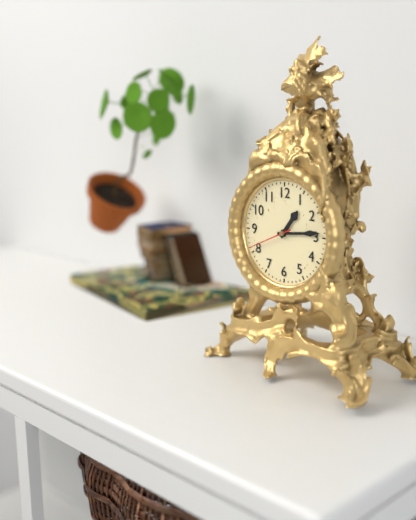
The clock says 1:14
